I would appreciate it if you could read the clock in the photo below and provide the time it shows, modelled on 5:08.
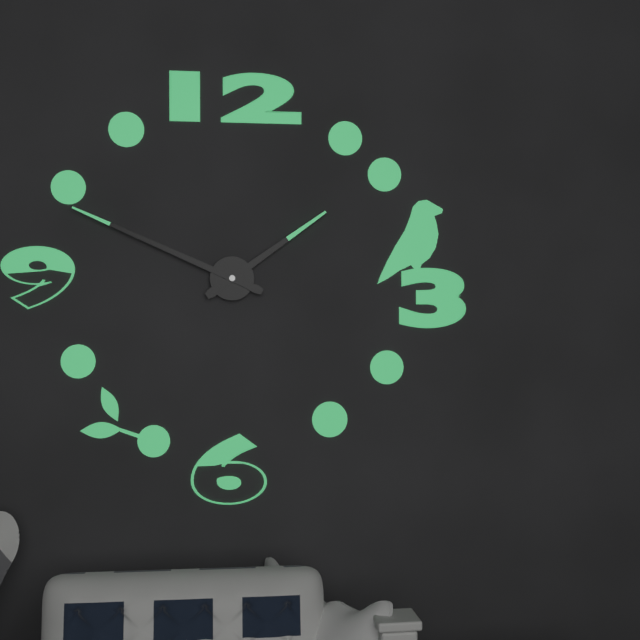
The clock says 1:49
